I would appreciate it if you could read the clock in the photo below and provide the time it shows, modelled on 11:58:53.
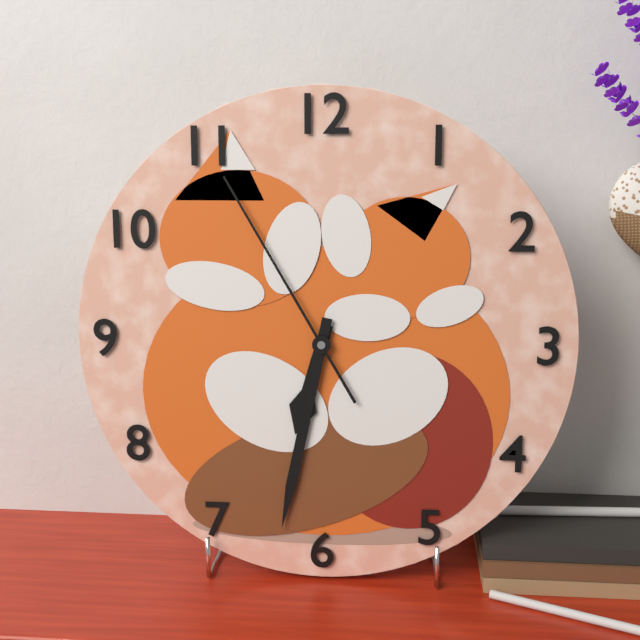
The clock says 6:32:55
